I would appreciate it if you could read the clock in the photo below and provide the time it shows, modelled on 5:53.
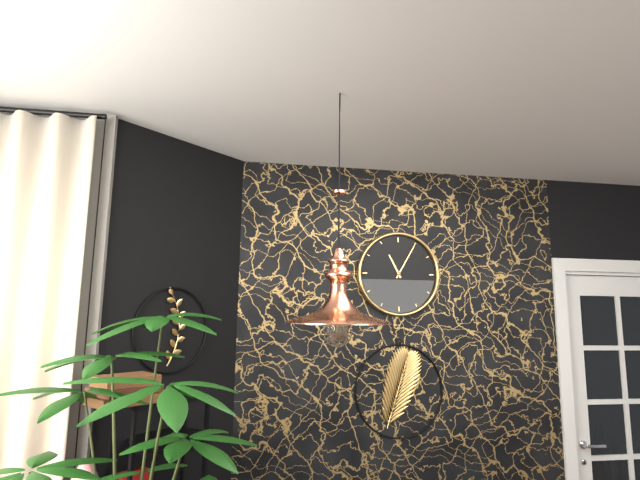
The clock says 11:05
